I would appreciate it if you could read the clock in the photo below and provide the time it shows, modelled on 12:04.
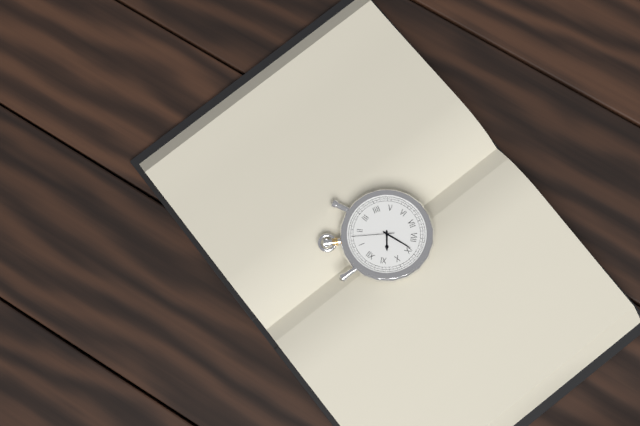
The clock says 10:44
